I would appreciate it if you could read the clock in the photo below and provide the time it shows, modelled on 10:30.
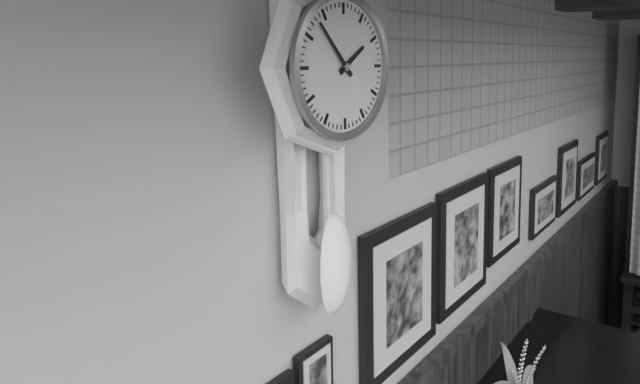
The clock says 1:53
